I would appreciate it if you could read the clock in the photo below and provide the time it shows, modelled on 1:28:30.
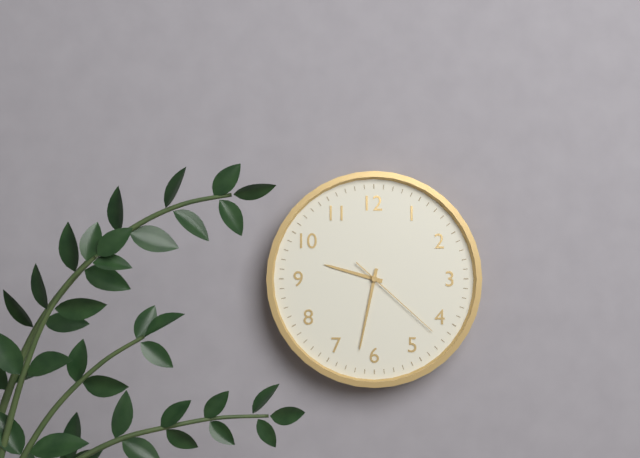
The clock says 9:32:22
